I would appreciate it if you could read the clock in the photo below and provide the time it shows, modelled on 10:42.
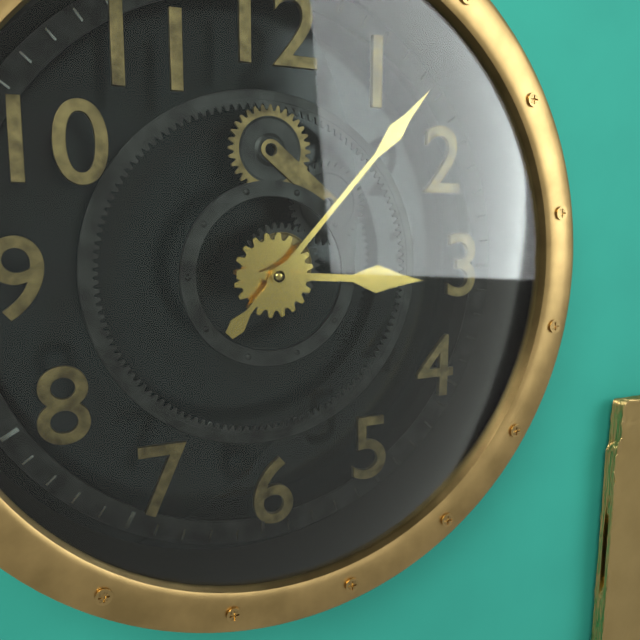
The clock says 3:07
